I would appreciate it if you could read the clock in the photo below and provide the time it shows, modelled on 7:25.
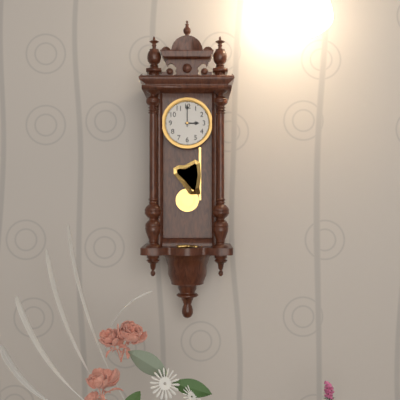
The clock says 3:00
